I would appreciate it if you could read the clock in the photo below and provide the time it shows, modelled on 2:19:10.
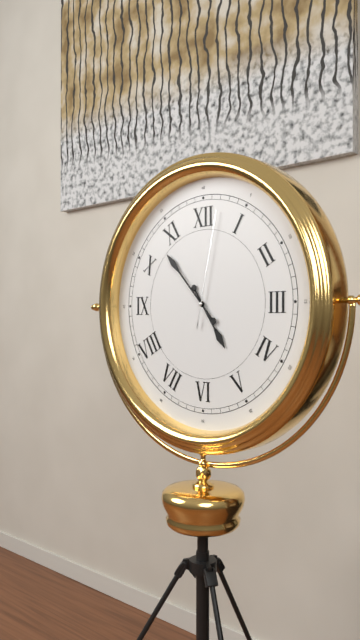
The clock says 4:53:02
